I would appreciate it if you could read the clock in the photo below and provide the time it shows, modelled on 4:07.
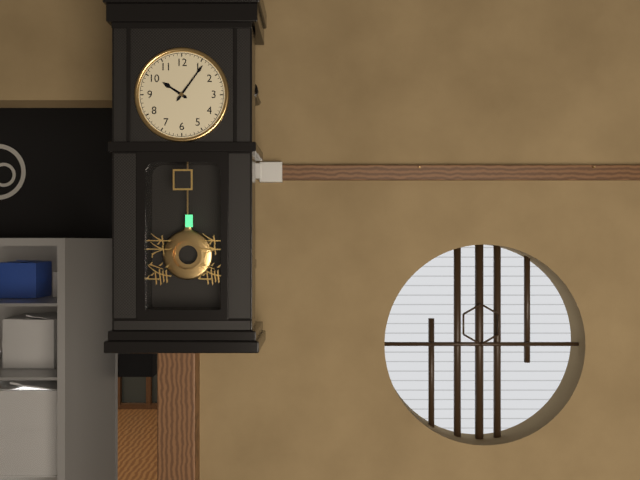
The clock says 10:06
